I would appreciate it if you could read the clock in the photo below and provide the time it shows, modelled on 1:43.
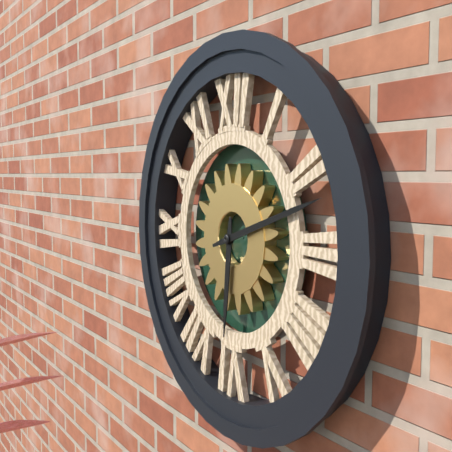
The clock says 6:12
